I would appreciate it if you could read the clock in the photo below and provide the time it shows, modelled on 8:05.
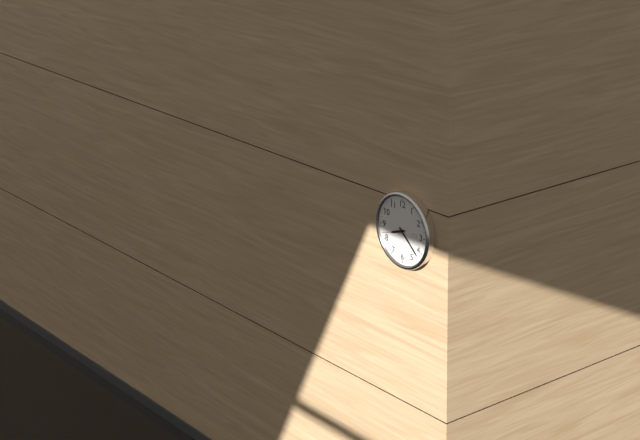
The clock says 8:22
